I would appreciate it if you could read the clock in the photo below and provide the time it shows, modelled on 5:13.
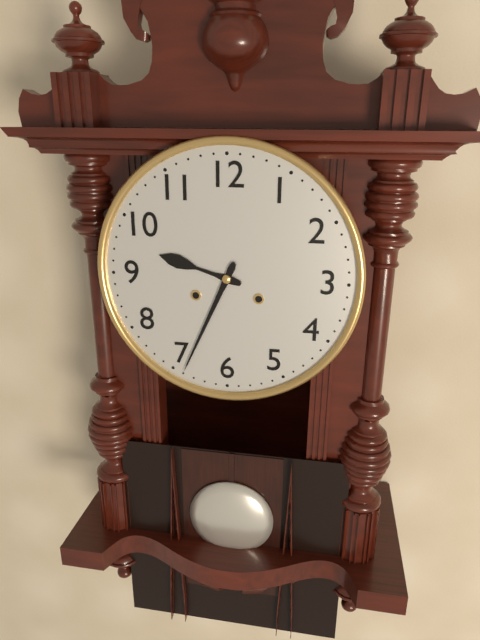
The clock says 9:34
